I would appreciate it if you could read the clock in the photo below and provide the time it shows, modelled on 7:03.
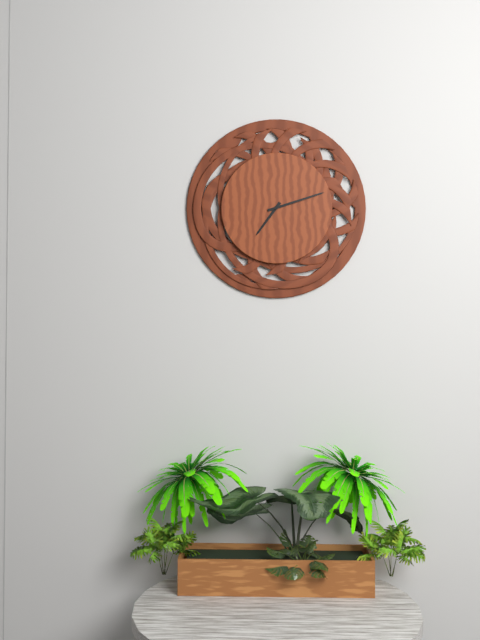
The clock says 7:12
